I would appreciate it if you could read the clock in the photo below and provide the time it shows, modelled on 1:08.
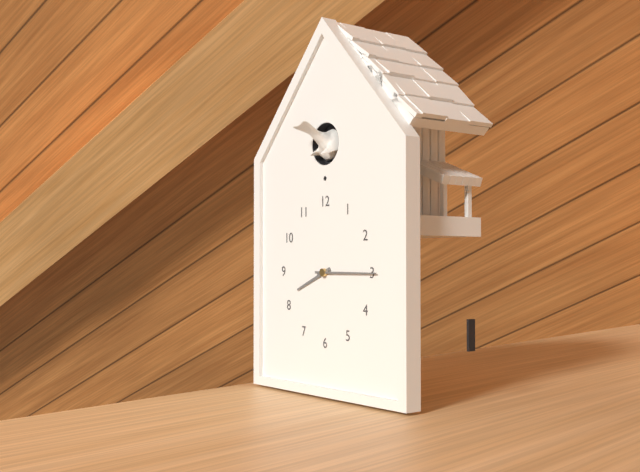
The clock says 8:15
